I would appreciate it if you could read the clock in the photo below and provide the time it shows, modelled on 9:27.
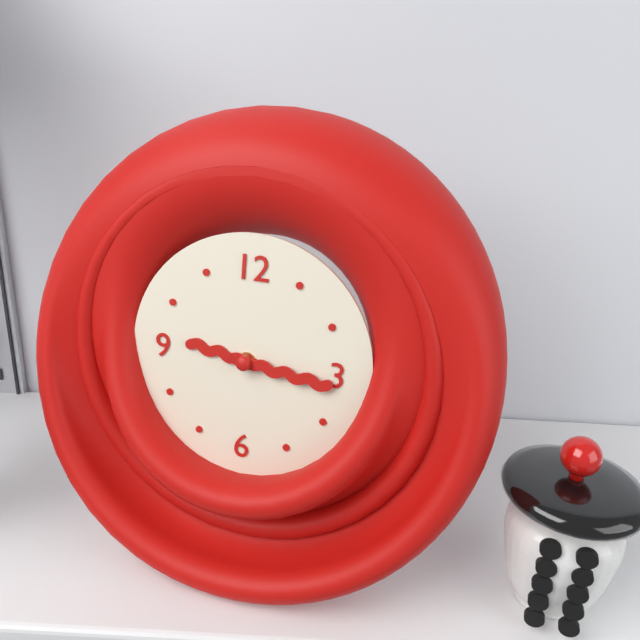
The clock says 9:16
